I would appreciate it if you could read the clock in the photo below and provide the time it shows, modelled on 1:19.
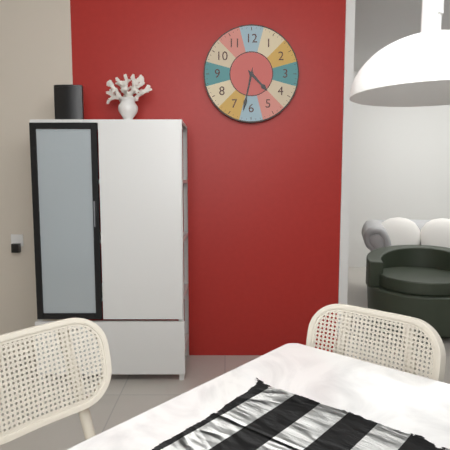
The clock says 4:32
